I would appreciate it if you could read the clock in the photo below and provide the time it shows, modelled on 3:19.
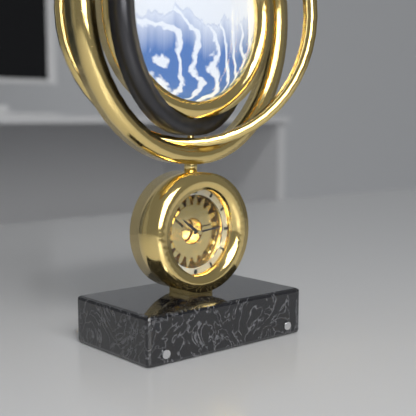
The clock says 10:14
